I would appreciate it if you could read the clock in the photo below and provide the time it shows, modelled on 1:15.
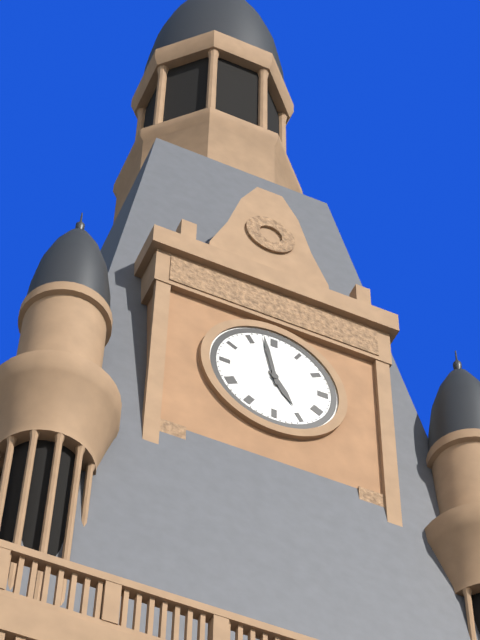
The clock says 4:58
